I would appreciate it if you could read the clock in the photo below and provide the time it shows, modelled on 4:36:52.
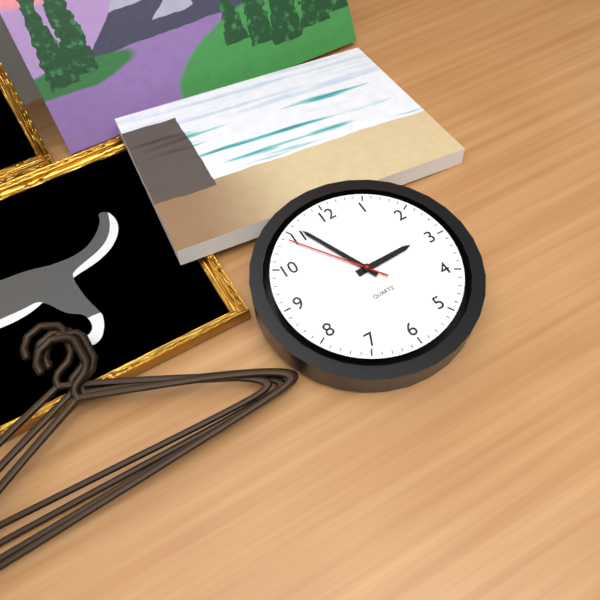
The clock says 2:56:54
